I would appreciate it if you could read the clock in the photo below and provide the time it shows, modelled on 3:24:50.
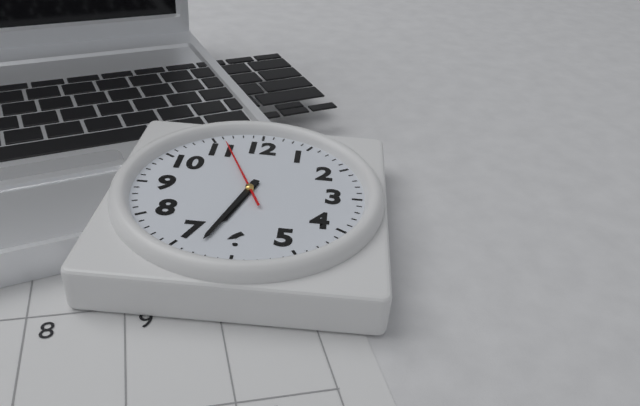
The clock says 6:33:56
